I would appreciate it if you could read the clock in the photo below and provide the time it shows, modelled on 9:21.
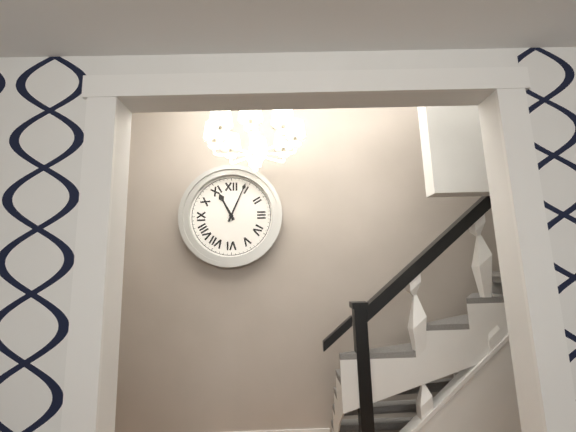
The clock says 11:04
